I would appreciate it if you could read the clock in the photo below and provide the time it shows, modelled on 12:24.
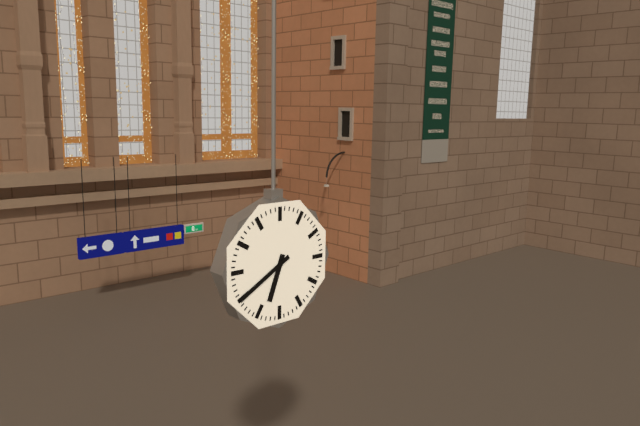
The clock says 6:40
